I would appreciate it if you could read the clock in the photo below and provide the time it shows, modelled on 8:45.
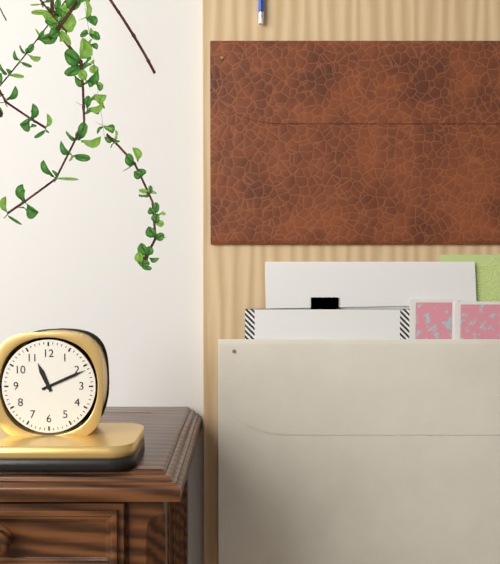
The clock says 11:11
